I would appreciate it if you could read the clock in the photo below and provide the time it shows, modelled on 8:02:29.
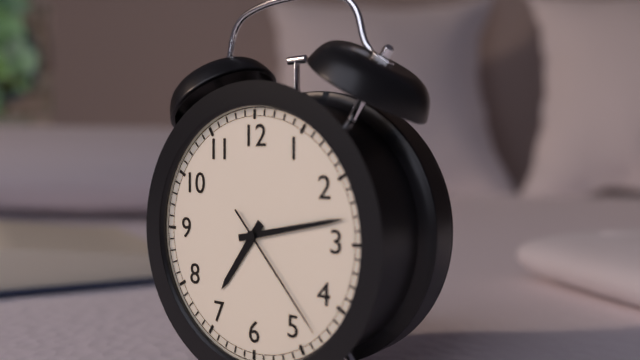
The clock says 7:13:23
